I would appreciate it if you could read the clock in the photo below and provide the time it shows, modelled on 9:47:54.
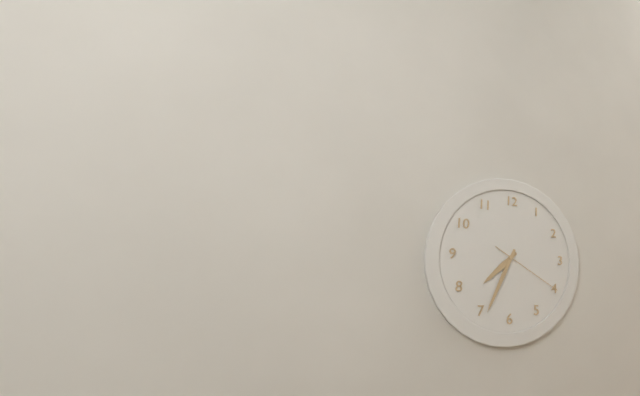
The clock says 7:34:20
